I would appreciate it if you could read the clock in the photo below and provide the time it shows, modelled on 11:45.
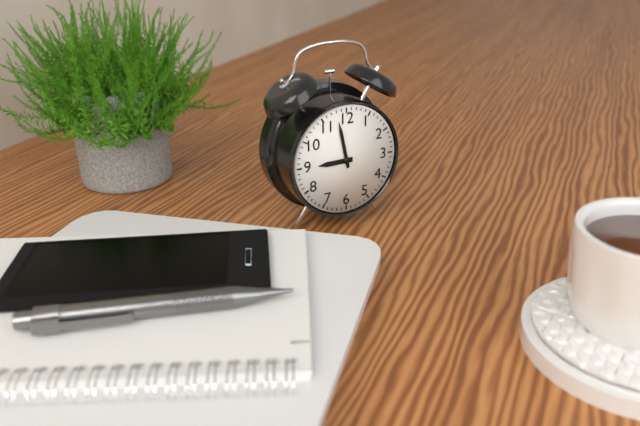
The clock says 8:58
